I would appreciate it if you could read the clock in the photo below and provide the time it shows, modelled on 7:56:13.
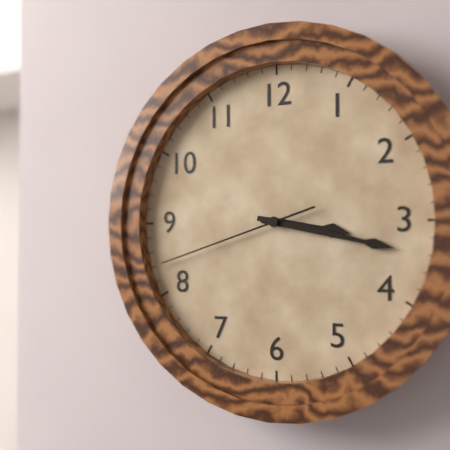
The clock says 3:17:42
